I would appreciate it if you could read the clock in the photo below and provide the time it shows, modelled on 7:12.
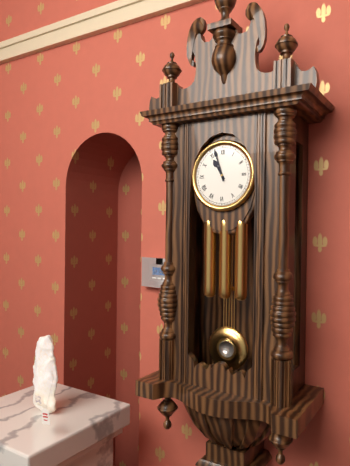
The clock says 10:57
